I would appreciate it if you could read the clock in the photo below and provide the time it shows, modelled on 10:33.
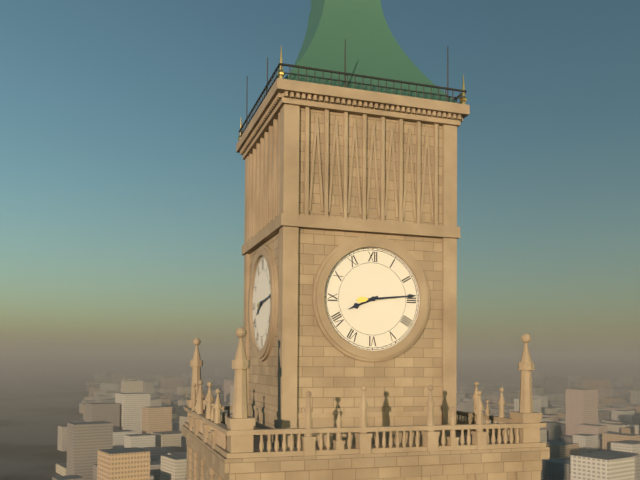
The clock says 8:14
